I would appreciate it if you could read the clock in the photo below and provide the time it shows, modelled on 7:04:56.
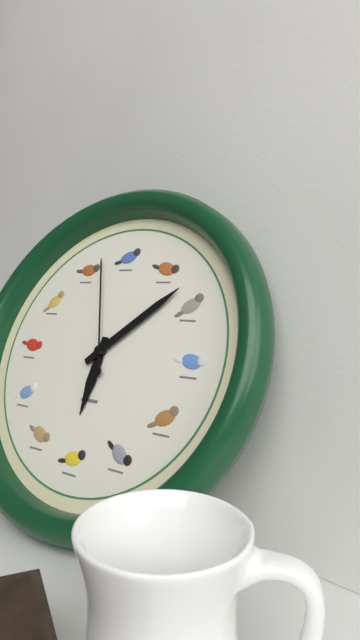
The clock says 6:08:57
